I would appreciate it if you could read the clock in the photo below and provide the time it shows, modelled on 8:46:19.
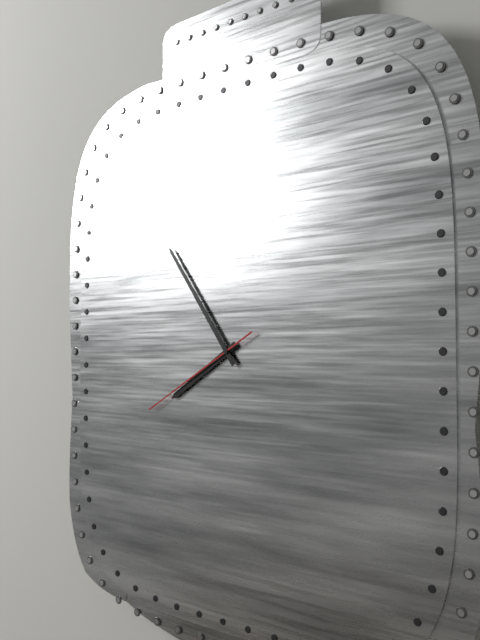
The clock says 7:54:40
